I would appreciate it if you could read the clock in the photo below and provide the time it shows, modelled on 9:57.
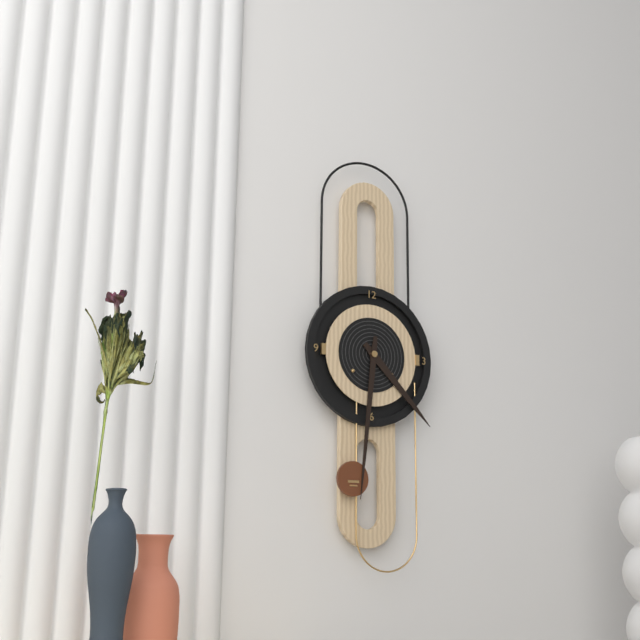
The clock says 4:31
